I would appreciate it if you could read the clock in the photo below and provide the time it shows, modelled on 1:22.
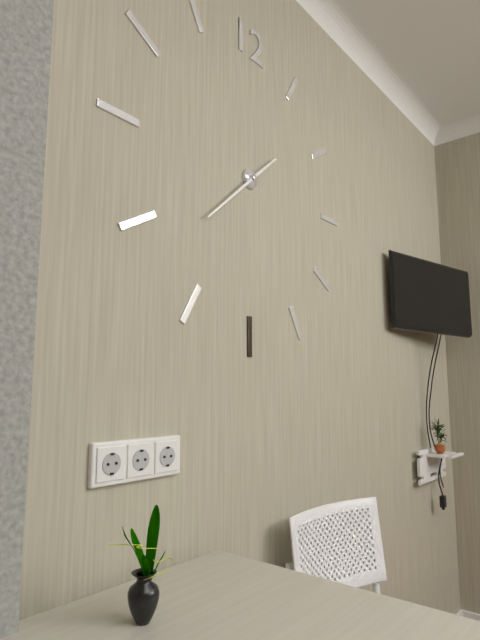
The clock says 1:38
